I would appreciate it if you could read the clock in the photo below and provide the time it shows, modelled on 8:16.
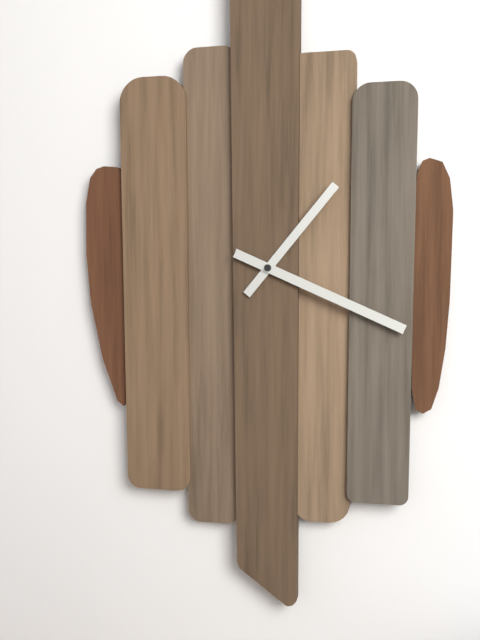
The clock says 1:19
